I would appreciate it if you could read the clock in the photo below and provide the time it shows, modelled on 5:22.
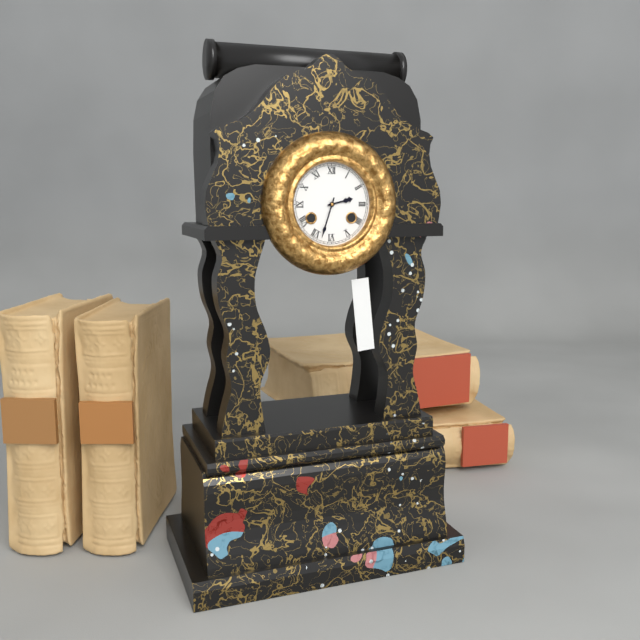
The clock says 2:33
